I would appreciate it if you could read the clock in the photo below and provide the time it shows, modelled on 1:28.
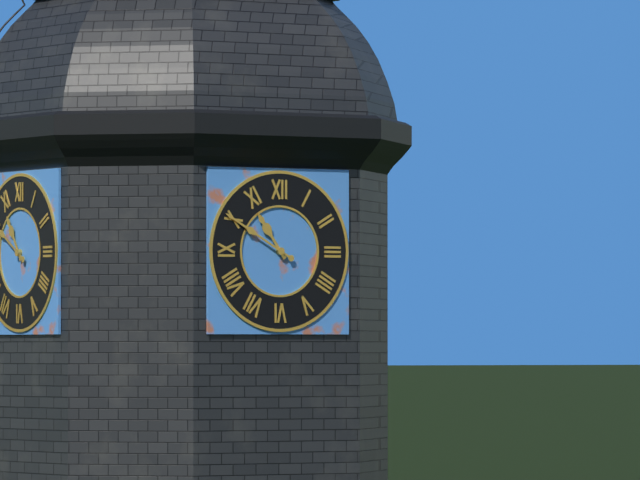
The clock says 10:50
